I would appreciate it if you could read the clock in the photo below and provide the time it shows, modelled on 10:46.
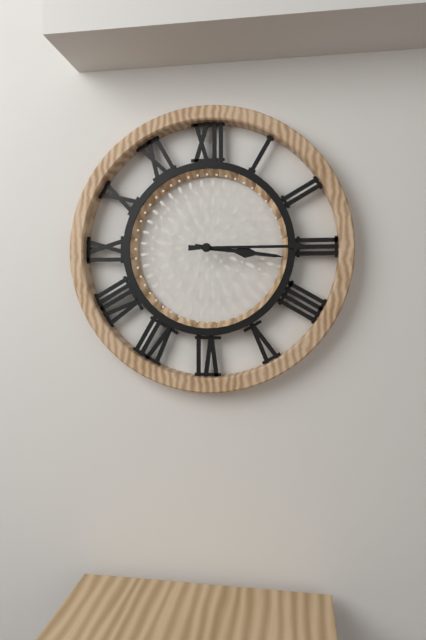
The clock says 3:15
